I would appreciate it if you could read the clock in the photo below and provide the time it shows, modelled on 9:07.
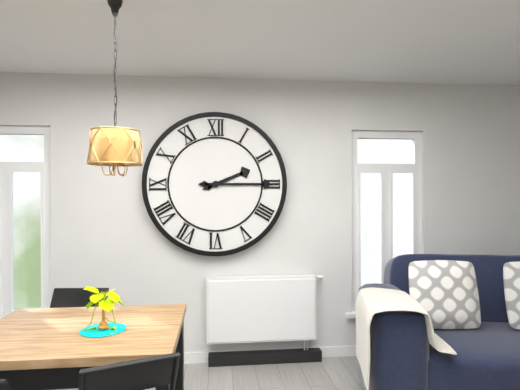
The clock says 2:15
